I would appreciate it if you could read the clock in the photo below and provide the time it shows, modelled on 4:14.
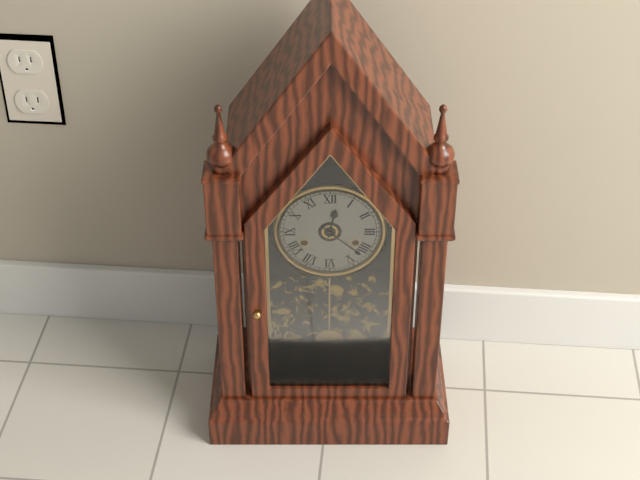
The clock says 12:22
